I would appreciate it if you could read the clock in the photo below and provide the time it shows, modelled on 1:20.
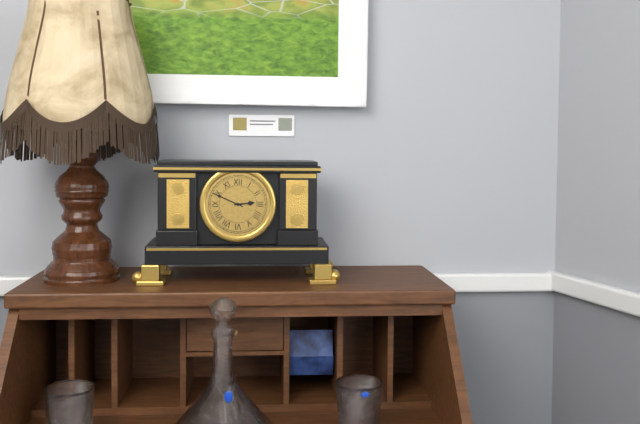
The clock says 2:49
